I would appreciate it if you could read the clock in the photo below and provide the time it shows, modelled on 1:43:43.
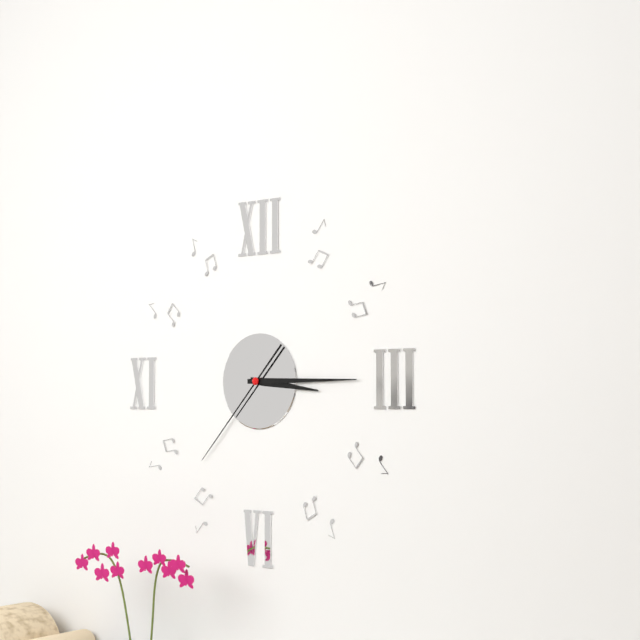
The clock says 3:15:37
